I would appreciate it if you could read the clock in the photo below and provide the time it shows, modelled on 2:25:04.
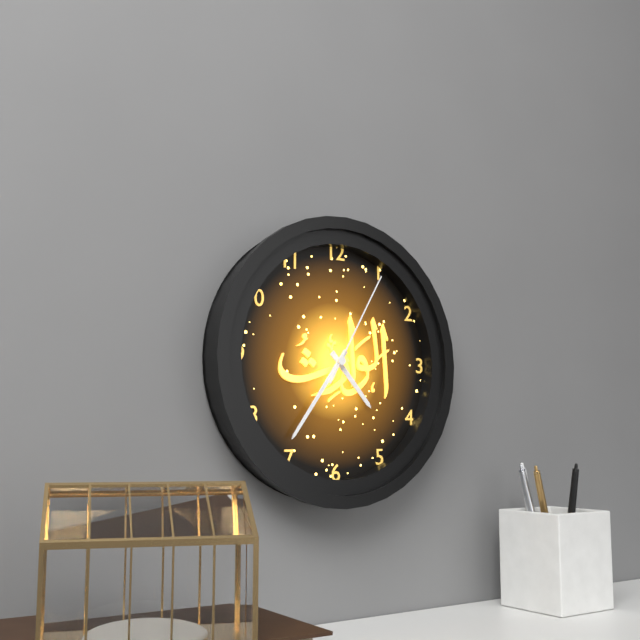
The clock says 4:36:05
